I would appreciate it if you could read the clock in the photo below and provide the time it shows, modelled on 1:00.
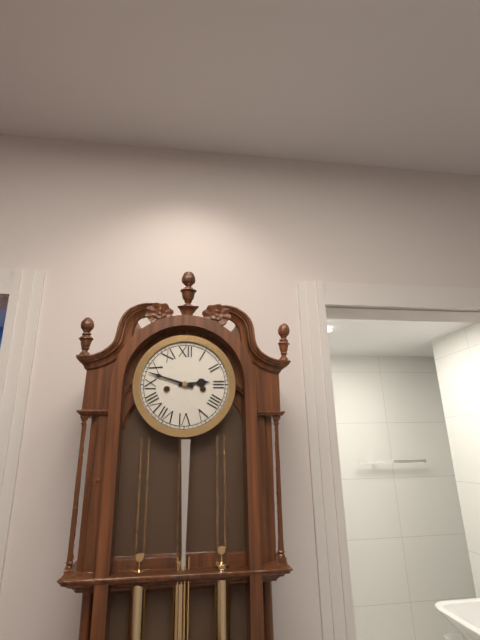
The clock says 2:48
